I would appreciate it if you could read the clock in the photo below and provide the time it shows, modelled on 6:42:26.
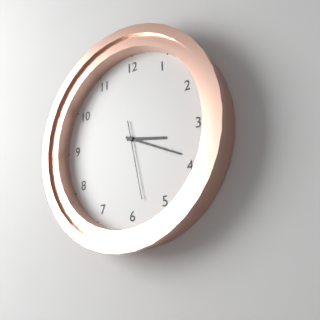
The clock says 3:19:28
